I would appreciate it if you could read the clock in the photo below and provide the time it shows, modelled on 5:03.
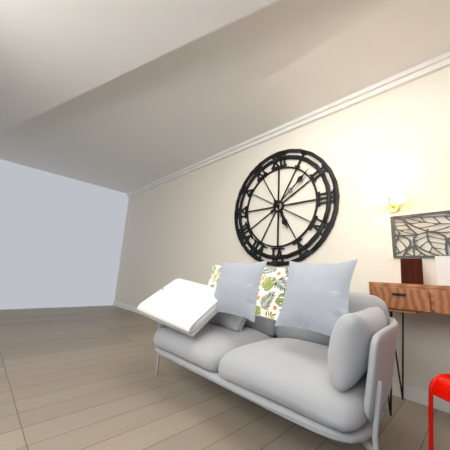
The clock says 5:08
